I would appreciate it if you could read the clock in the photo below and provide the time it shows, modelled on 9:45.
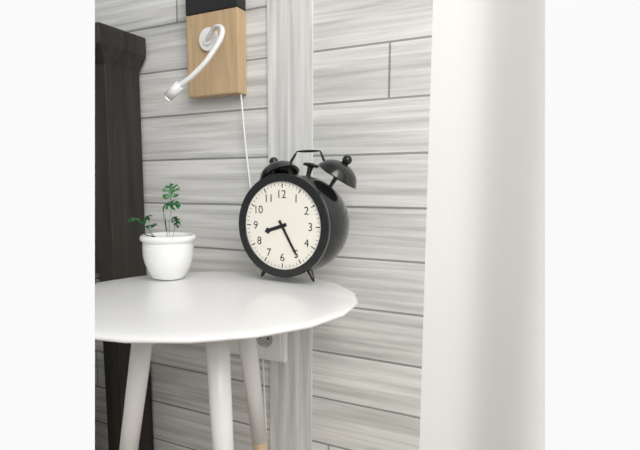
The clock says 8:25
